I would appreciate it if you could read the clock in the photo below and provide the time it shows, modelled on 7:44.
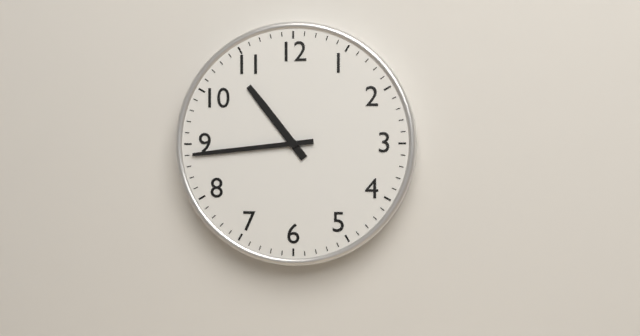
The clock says 10:44
